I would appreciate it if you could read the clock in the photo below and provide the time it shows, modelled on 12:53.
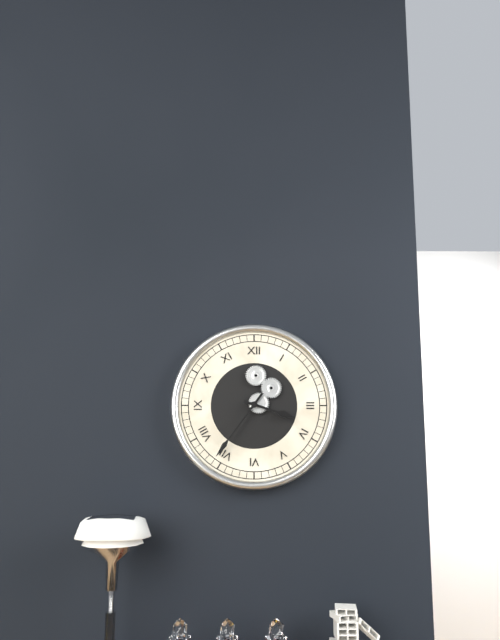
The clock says 3:36
